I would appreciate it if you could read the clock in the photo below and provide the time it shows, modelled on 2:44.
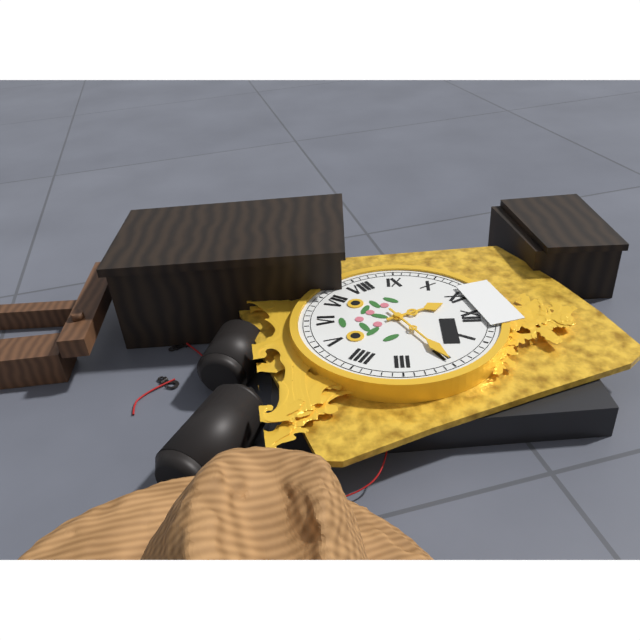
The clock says 11:10
